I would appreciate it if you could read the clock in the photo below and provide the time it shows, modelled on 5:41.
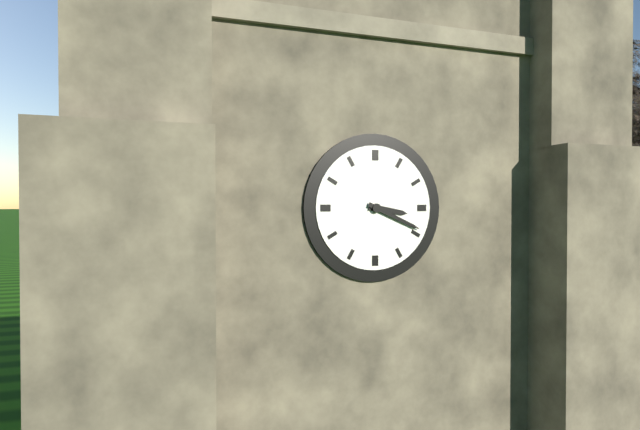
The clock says 3:19
